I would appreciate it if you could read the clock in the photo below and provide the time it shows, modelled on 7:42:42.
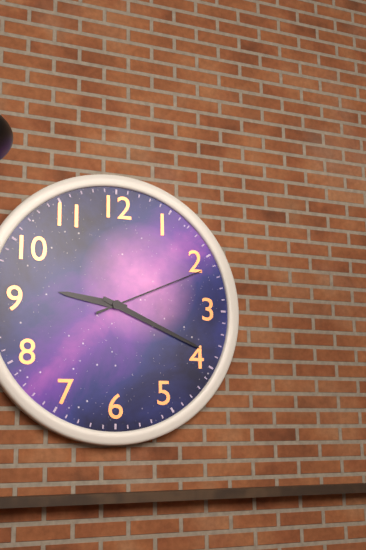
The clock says 9:19:11
